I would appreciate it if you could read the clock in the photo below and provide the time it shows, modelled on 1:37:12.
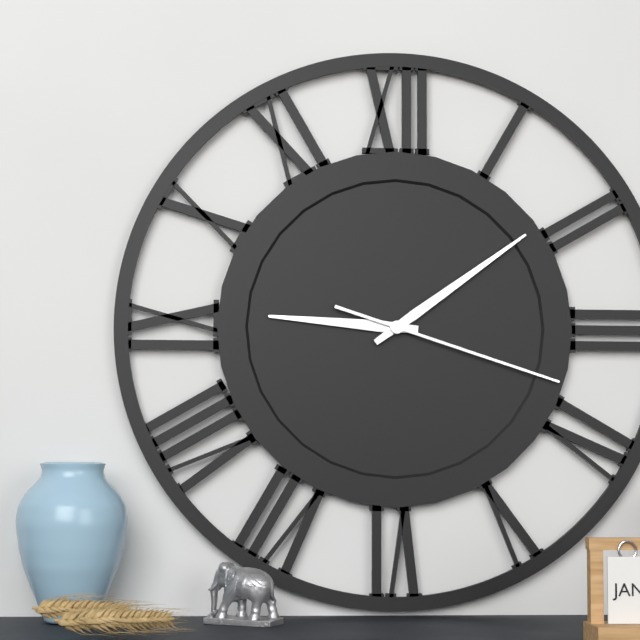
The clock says 9:09:18
